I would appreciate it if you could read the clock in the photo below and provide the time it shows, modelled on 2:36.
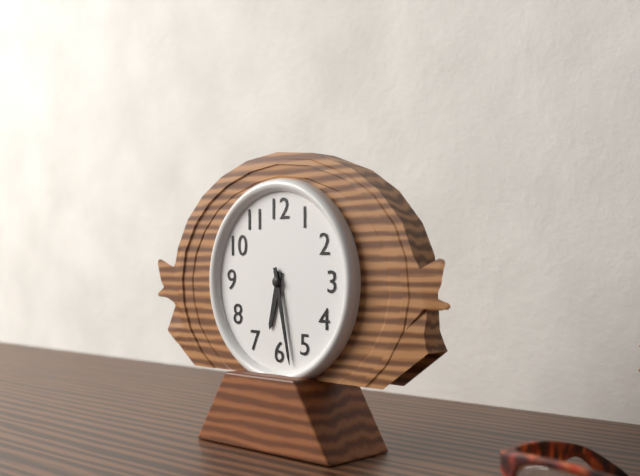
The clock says 6:28
